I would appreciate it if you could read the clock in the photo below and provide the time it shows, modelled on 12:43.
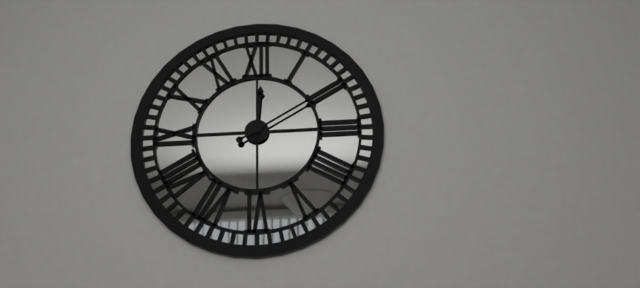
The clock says 12:10
